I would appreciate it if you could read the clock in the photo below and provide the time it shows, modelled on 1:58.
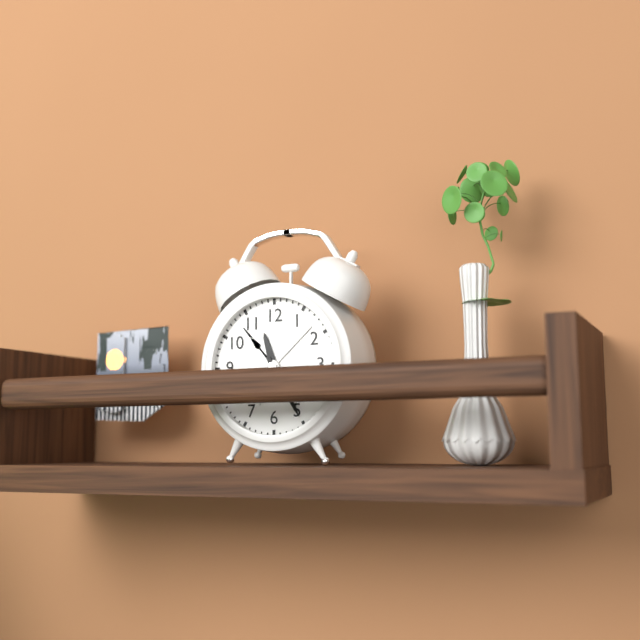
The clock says 11:25
